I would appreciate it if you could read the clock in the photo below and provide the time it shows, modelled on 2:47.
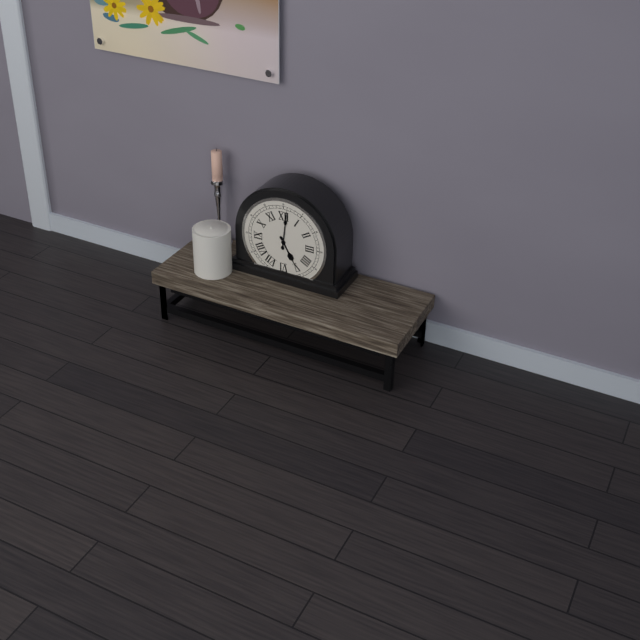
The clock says 5:01
